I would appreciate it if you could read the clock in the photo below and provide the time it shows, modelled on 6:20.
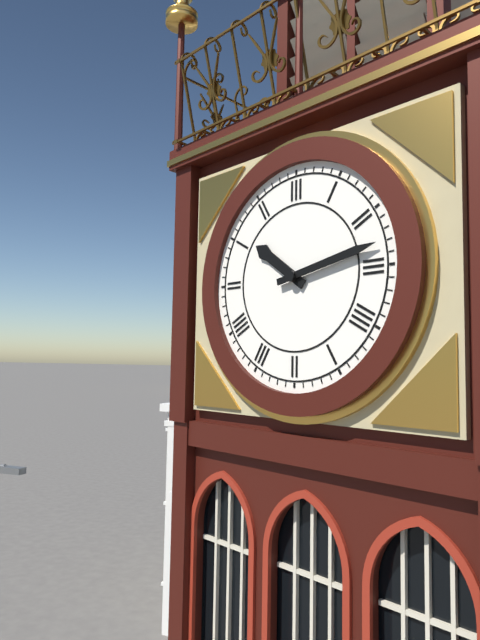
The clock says 10:13
